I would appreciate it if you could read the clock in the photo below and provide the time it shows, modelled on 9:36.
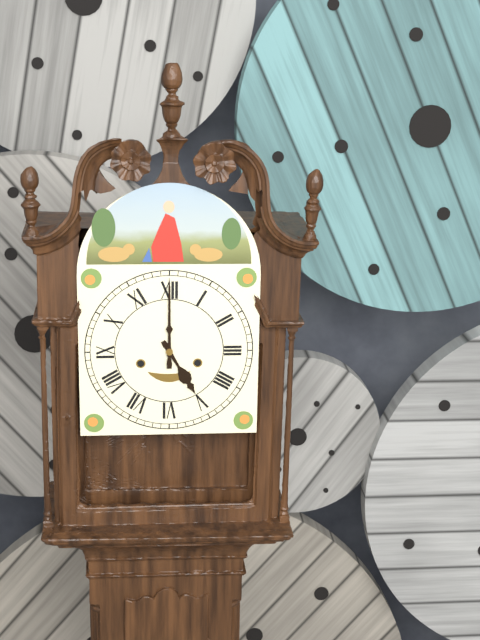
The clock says 5:00
